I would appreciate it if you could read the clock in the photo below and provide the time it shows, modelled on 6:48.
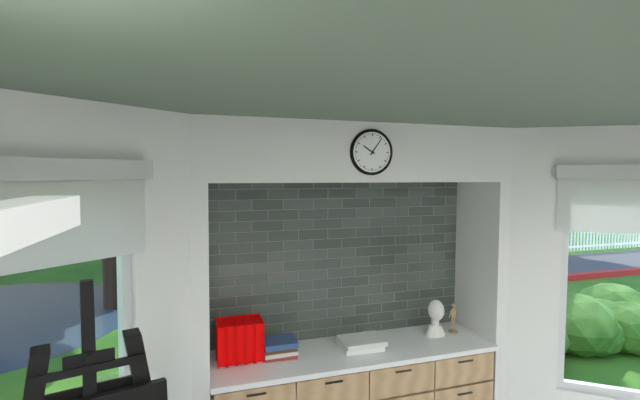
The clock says 10:06
